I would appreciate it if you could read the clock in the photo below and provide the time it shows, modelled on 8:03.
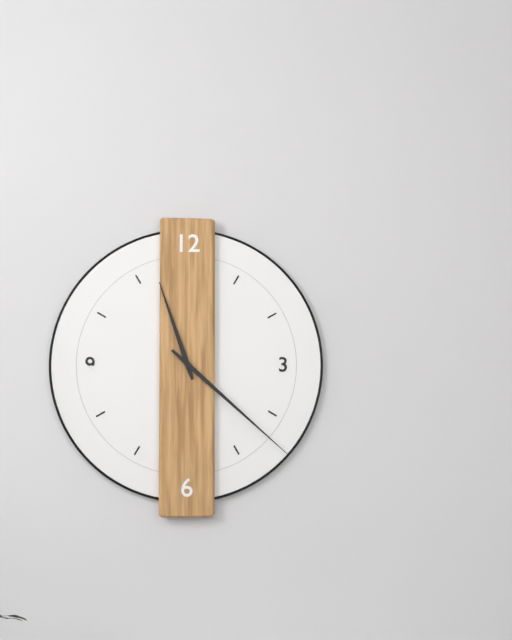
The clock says 11:22
